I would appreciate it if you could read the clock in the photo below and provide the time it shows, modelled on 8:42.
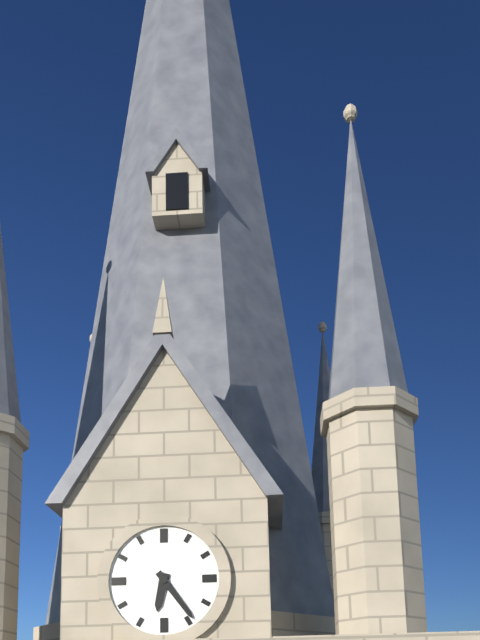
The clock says 6:24
